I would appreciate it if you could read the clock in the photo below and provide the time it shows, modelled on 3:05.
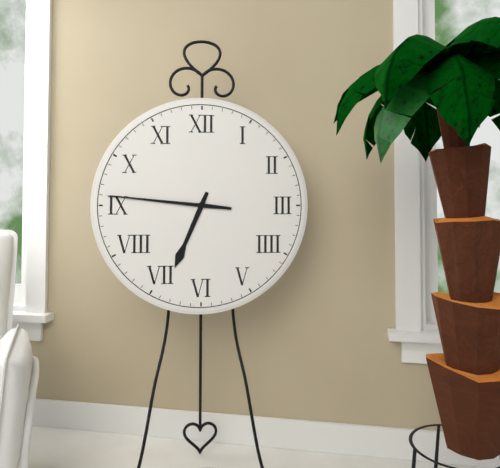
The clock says 6:46
